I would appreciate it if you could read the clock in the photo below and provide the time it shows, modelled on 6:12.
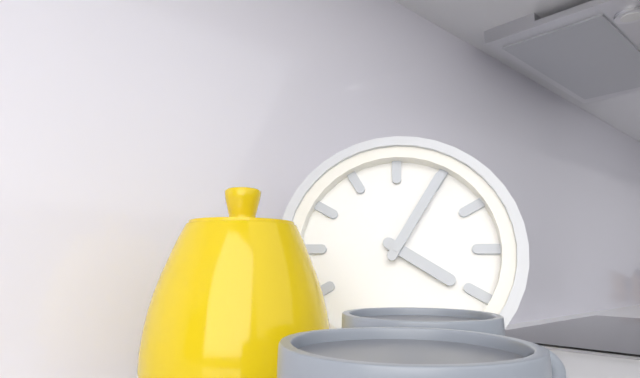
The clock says 4:05
